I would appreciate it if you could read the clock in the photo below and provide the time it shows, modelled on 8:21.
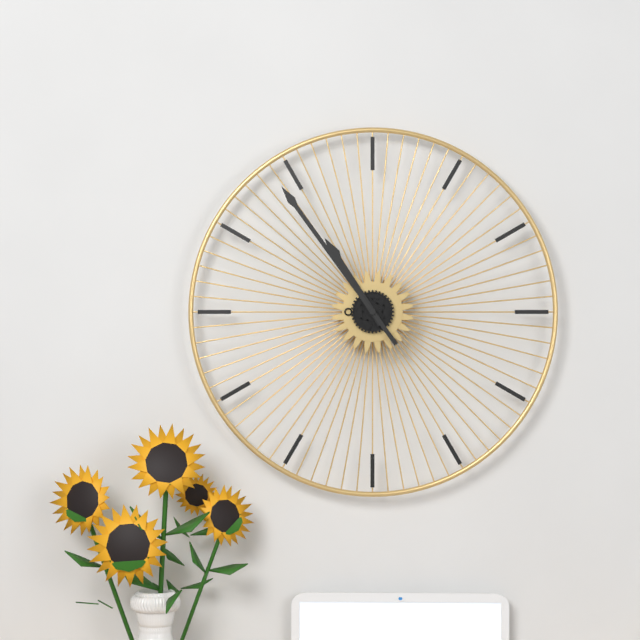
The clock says 10:54
